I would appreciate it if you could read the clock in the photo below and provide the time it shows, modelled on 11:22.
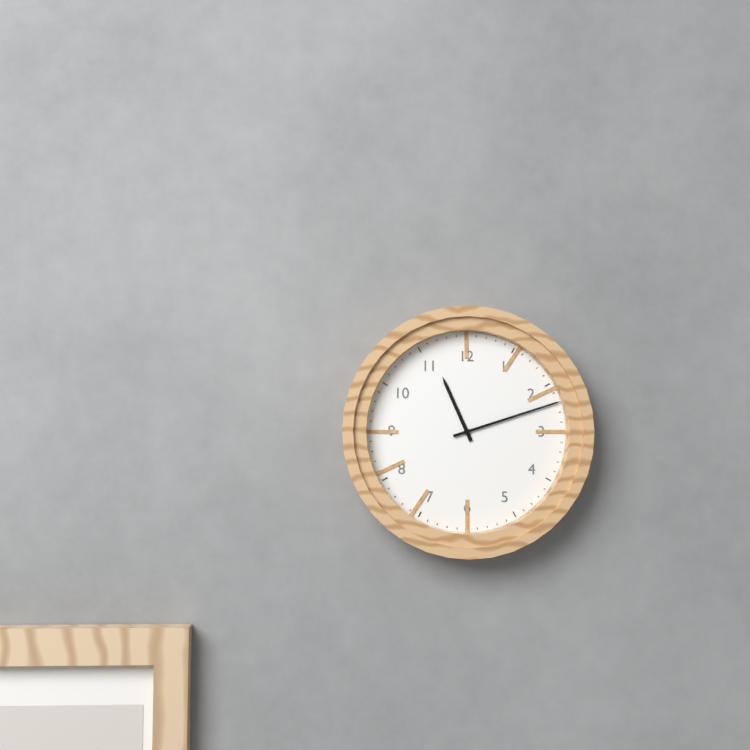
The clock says 11:12
